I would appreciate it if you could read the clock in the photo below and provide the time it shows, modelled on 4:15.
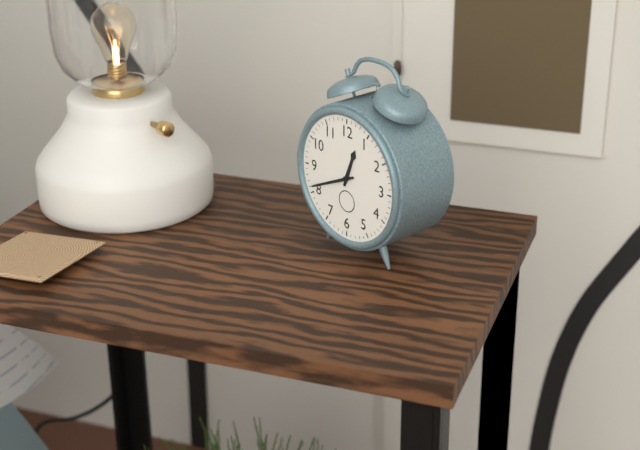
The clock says 12:41
